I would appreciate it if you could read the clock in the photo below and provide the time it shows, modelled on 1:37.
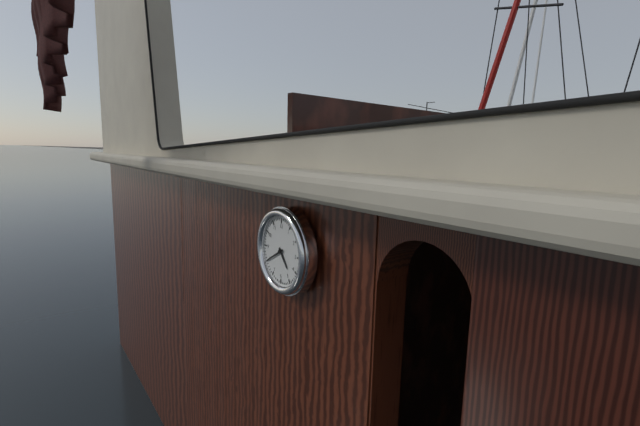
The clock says 4:40
